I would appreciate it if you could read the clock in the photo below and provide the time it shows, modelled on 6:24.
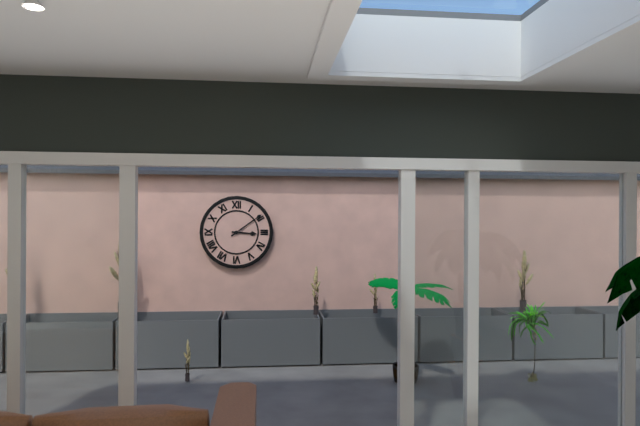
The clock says 3:09
